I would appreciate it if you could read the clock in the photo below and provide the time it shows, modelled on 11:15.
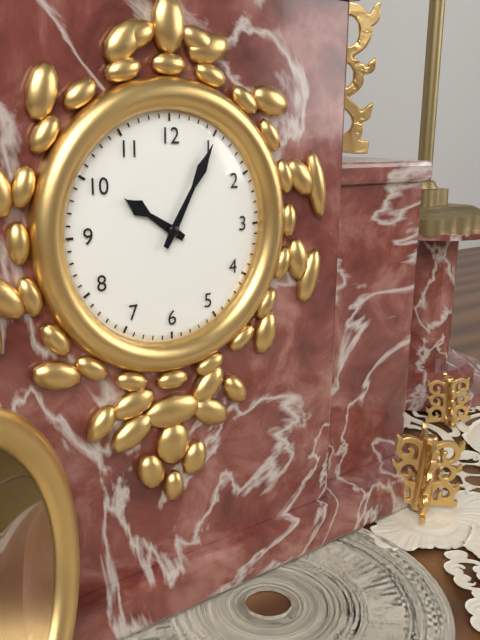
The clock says 10:05
